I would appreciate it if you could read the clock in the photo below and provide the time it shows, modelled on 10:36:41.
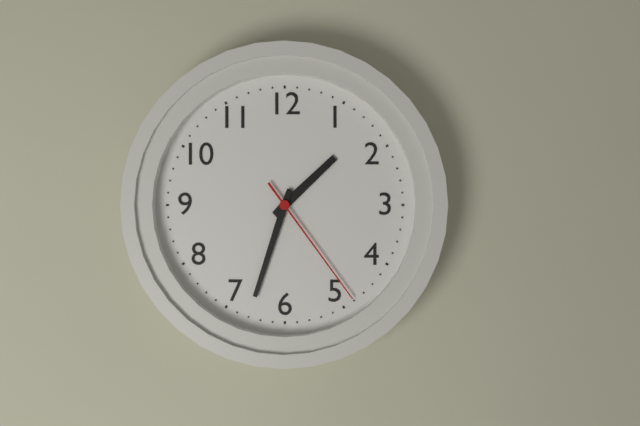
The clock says 1:33:24
